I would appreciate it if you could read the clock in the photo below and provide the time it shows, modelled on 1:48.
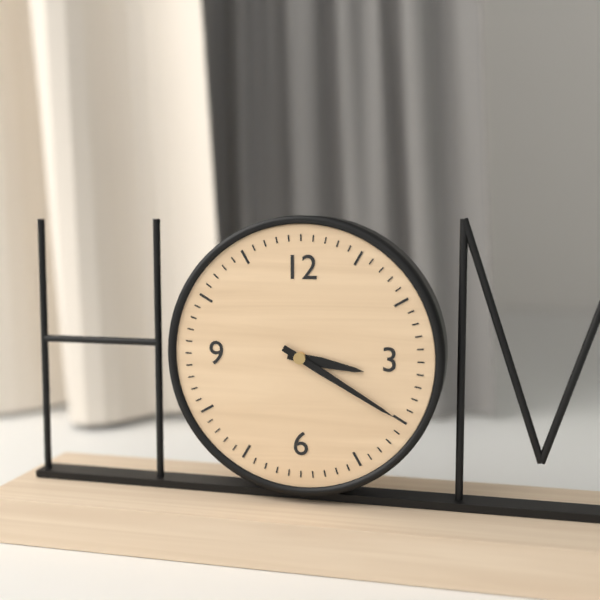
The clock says 3:20
